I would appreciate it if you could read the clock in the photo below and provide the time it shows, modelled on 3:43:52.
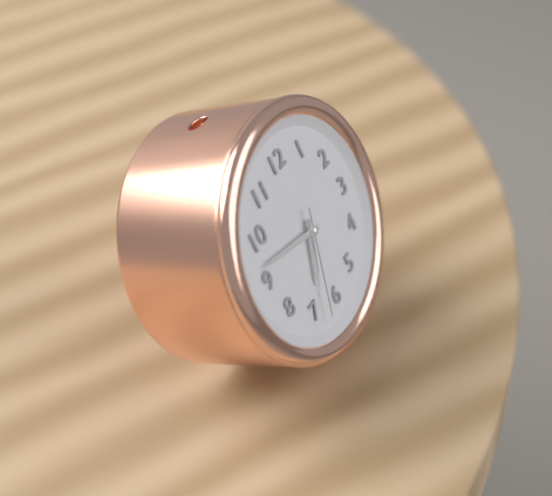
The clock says 6:47:33
